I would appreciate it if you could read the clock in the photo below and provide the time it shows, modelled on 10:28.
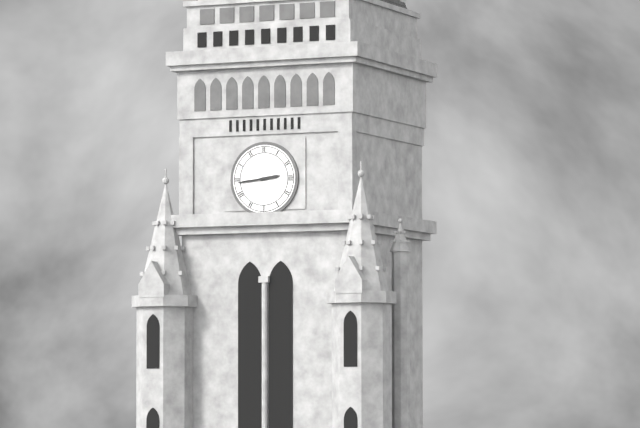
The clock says 2:44
